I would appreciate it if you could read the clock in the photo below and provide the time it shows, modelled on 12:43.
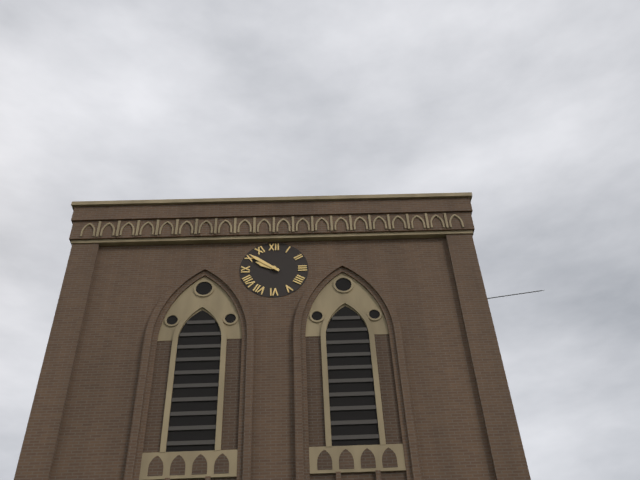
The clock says 9:51
